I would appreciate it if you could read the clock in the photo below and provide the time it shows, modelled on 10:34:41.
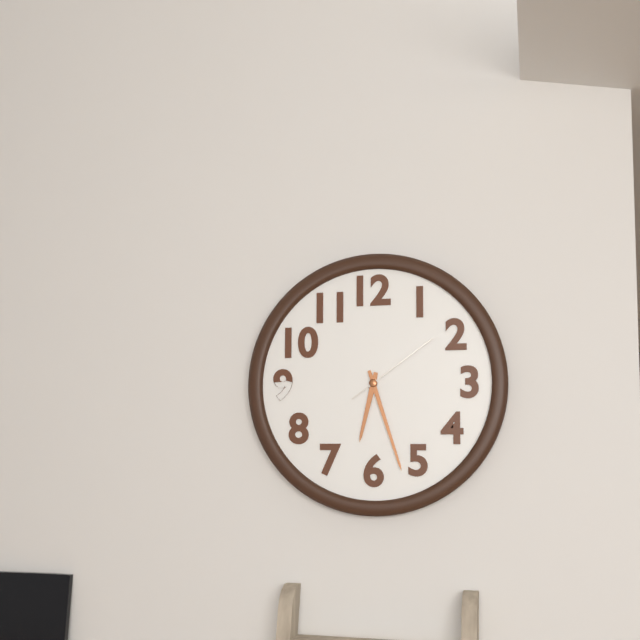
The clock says 6:27:09
